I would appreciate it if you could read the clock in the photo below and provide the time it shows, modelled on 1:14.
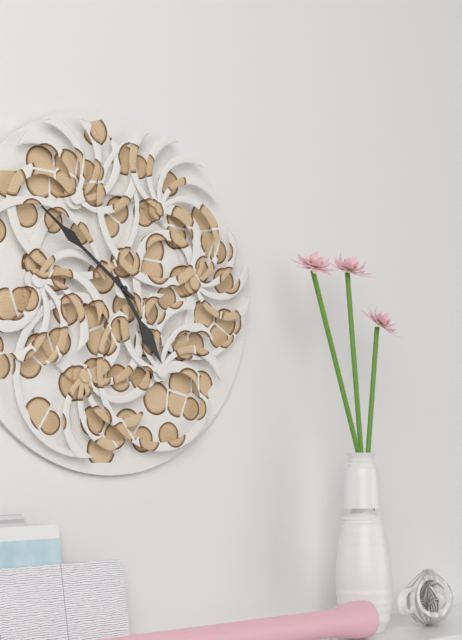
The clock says 4:51
